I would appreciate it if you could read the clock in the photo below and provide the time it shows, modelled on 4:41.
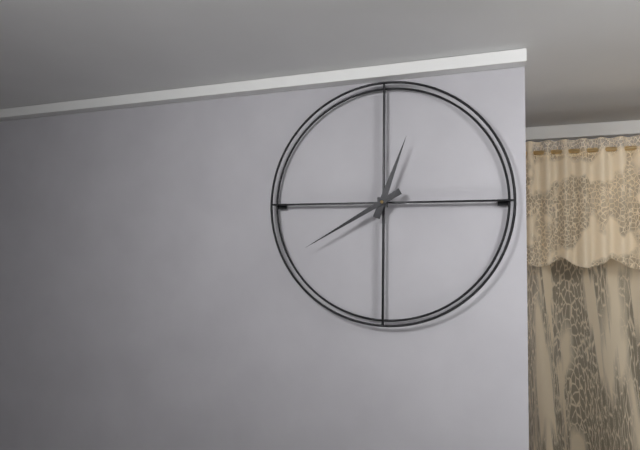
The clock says 12:40
